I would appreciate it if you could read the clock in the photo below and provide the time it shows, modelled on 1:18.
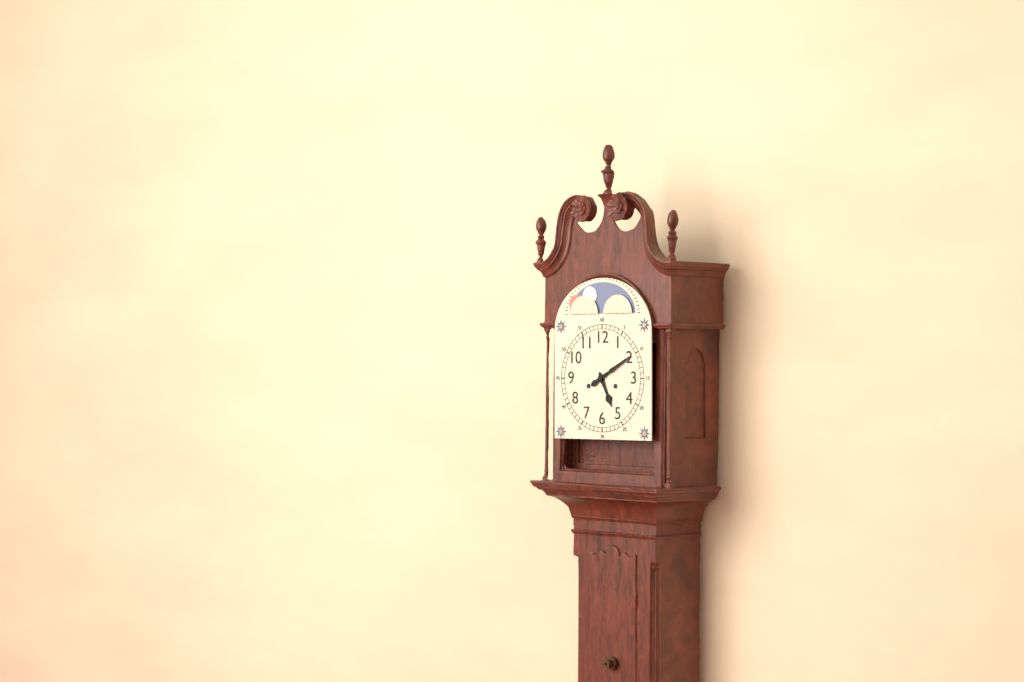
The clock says 5:10
